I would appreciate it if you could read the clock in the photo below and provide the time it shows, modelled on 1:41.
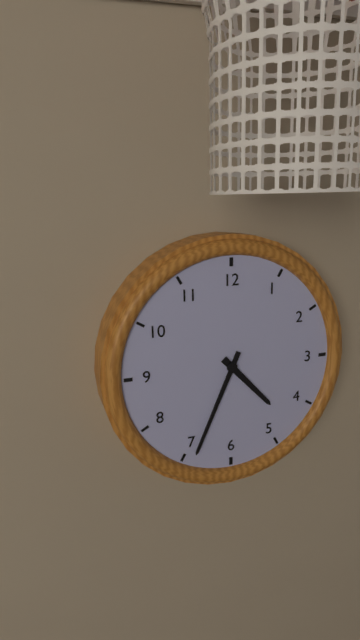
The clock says 4:34
